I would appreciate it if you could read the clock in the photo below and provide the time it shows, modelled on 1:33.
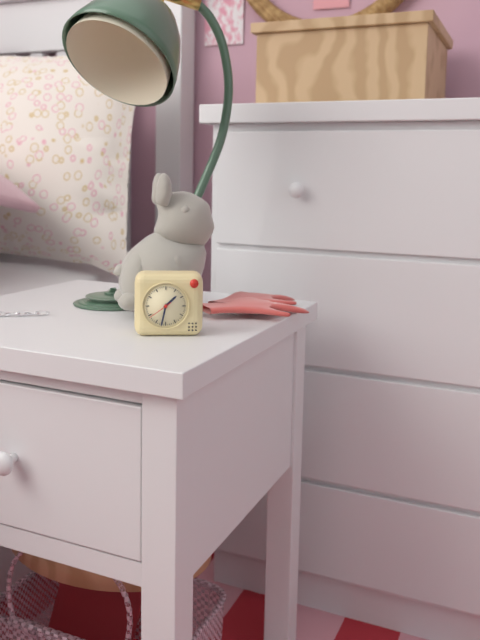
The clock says 1:32
